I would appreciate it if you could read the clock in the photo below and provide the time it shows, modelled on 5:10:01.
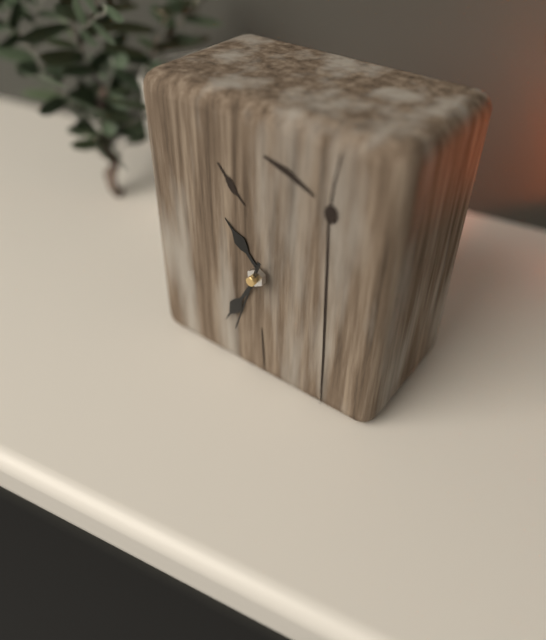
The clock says 10:35:33
